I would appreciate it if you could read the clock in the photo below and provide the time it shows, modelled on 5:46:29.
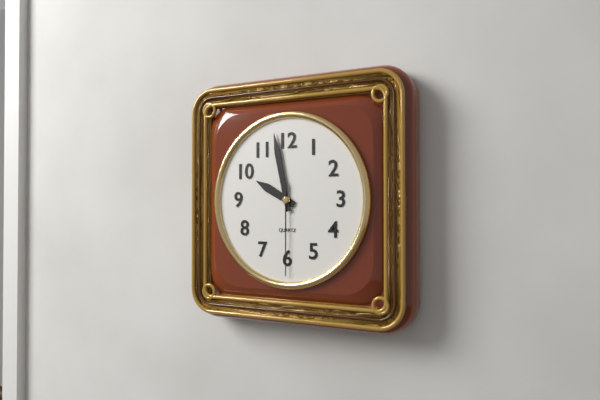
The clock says 9:58:30
